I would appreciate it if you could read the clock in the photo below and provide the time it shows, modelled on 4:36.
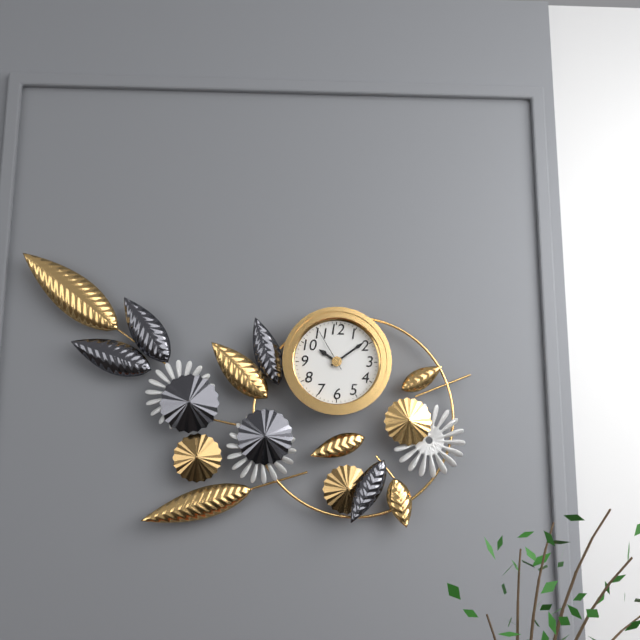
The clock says 10:09
